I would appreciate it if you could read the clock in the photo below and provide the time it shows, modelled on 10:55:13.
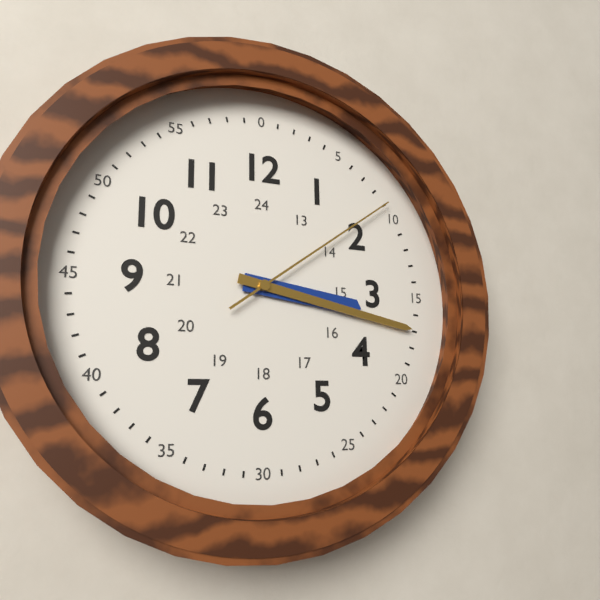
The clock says 3:17:09
